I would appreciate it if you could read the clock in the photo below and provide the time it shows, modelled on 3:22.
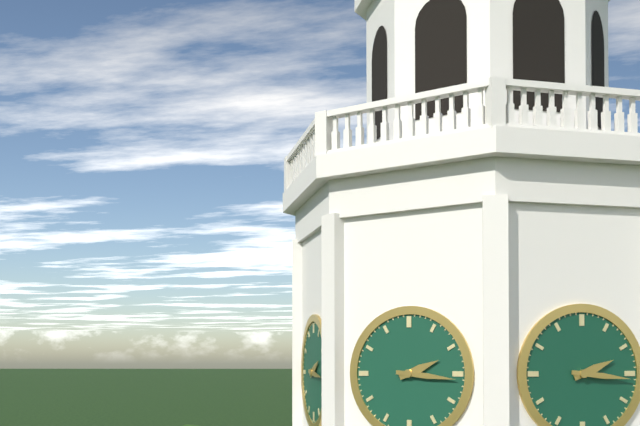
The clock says 2:16
